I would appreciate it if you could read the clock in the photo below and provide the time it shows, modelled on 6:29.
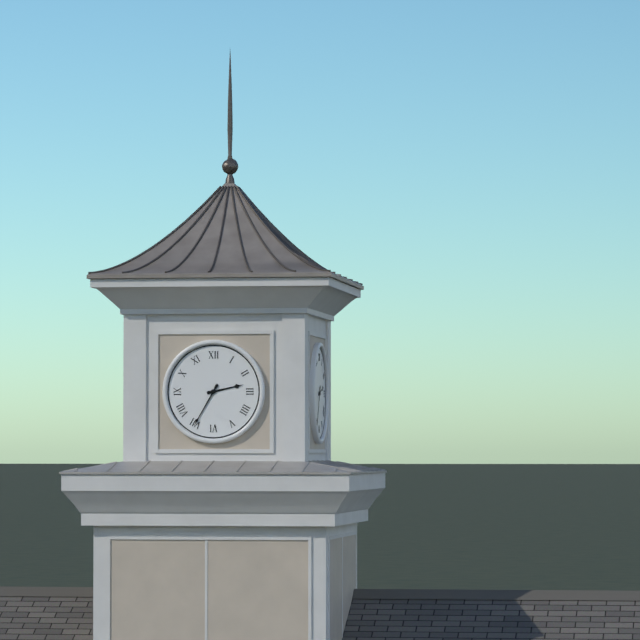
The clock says 2:35
